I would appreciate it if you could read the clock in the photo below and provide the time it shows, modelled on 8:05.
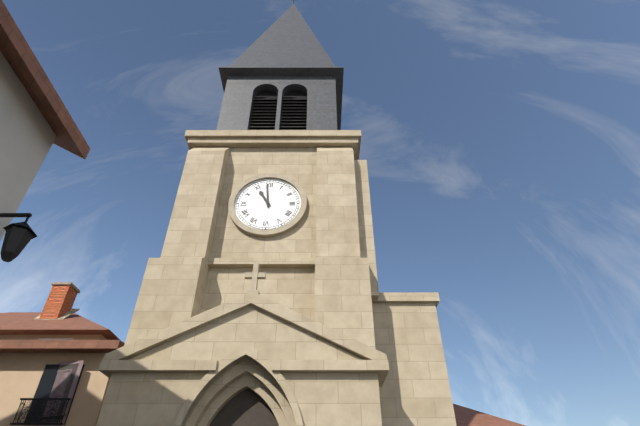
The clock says 10:59
